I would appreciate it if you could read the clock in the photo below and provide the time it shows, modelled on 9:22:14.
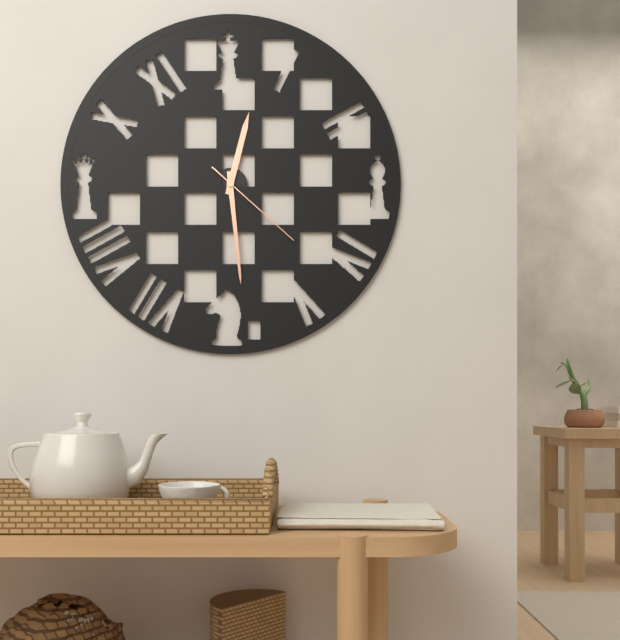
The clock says 12:29:22
